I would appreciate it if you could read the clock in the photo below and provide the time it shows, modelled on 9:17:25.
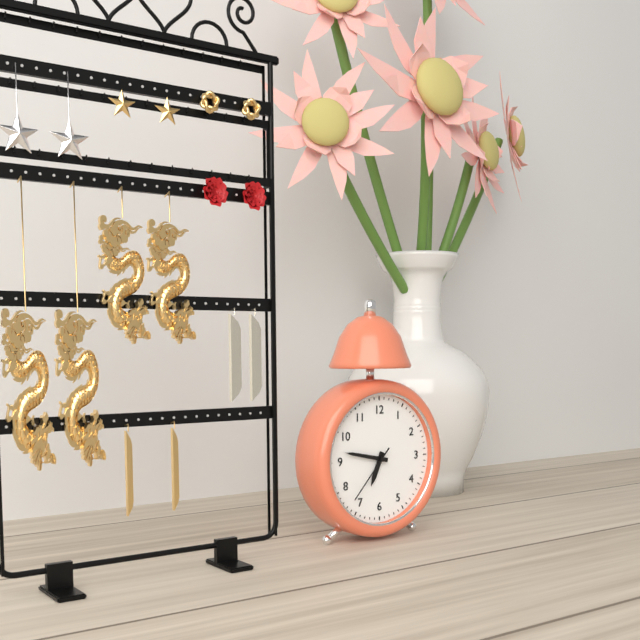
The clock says 6:47:37
